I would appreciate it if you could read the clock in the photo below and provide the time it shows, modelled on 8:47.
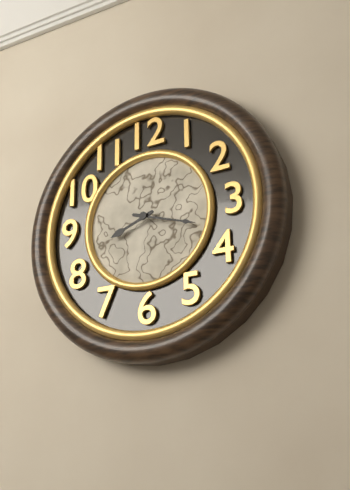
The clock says 8:18
